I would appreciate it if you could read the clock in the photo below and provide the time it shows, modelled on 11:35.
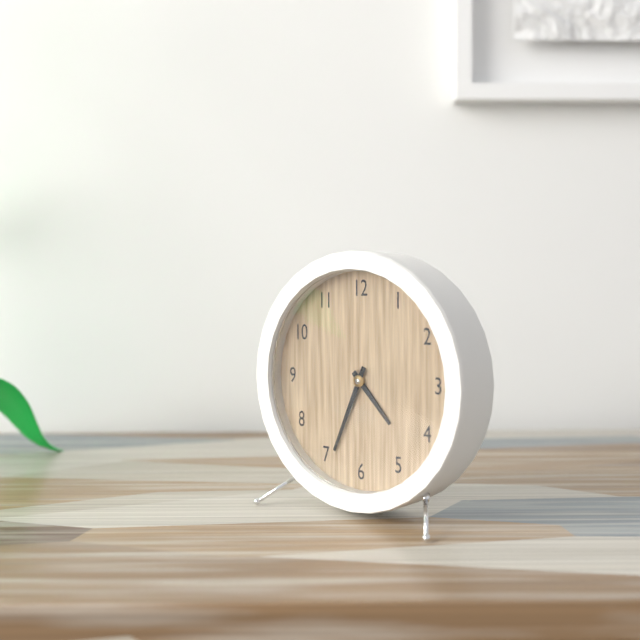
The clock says 4:34
